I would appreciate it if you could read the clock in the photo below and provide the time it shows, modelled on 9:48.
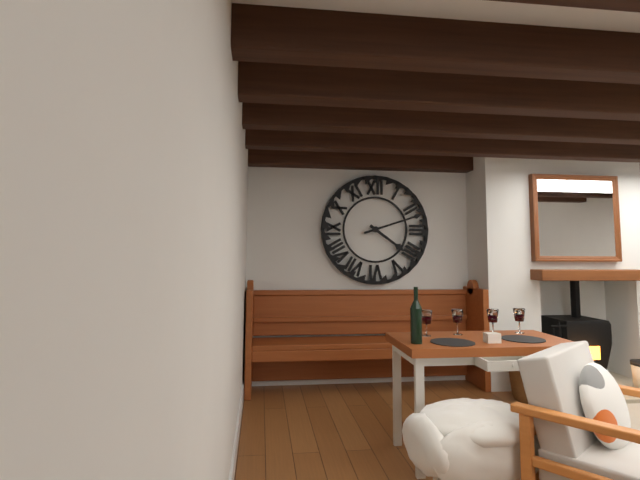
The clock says 4:12
